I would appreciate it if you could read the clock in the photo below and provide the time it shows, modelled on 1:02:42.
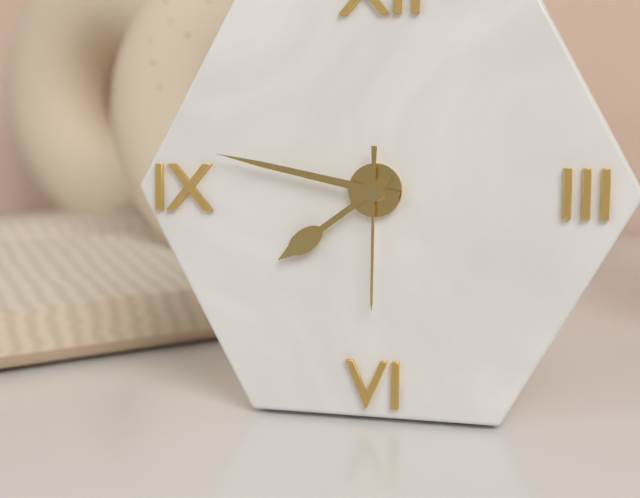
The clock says 7:47:30
